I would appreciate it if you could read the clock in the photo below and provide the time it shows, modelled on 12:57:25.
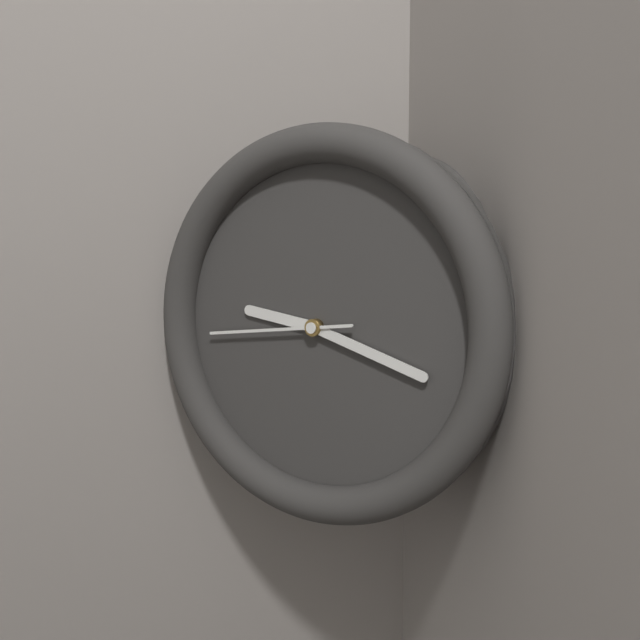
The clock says 9:18:44
